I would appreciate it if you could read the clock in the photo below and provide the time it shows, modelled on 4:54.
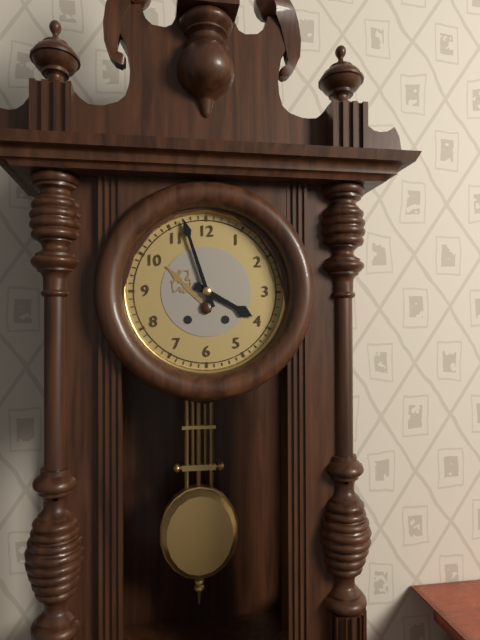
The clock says 3:57
